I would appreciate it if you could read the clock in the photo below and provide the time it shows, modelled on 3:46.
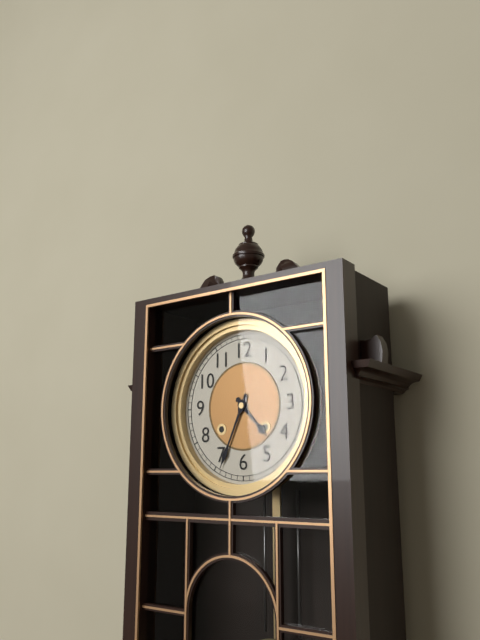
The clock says 4:34
